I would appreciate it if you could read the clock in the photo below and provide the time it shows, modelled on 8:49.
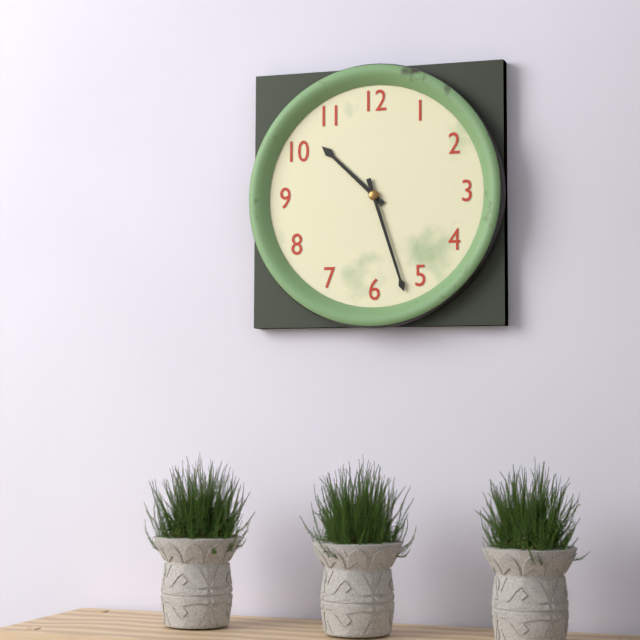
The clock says 10:27
